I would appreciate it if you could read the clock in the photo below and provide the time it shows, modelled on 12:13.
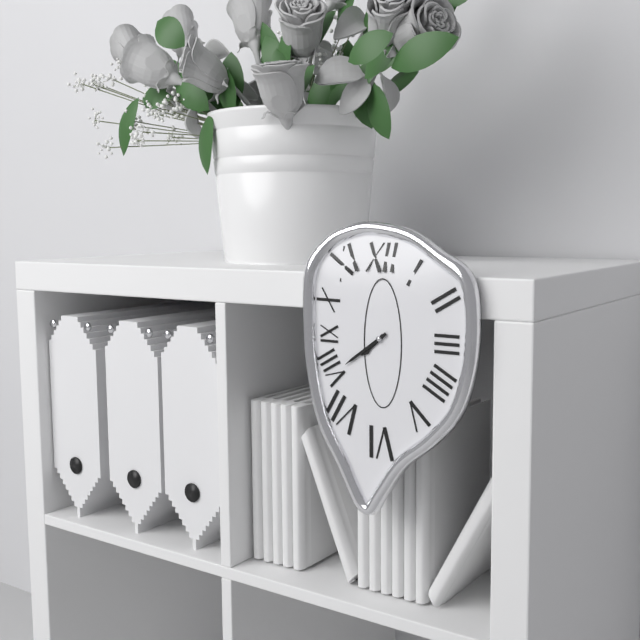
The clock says 7:39
